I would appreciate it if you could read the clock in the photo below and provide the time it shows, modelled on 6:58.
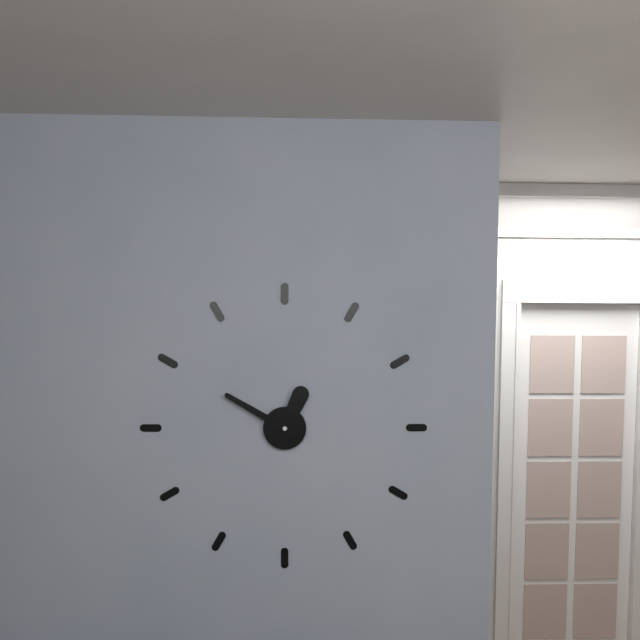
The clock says 12:50
